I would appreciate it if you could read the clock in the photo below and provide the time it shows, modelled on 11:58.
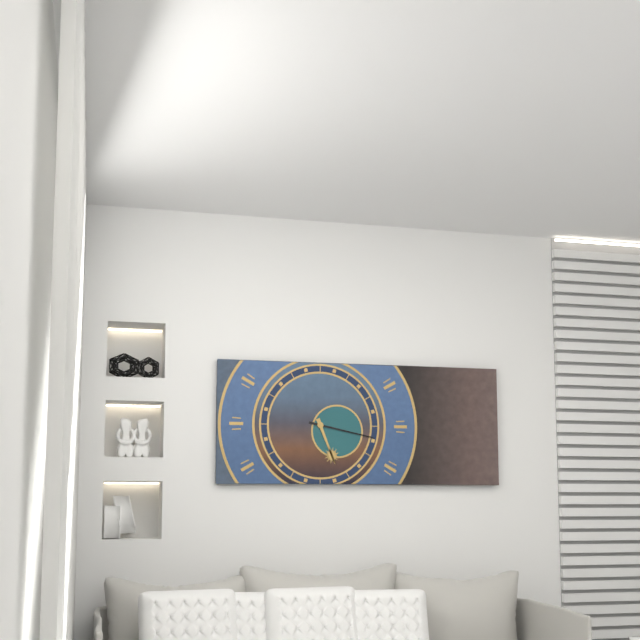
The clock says 5:17
